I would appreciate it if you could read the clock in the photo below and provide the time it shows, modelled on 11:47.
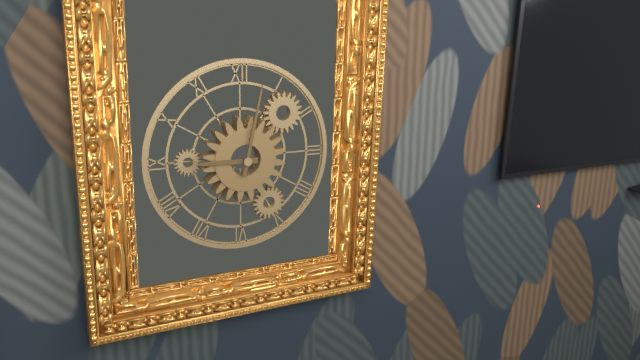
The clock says 9:02
